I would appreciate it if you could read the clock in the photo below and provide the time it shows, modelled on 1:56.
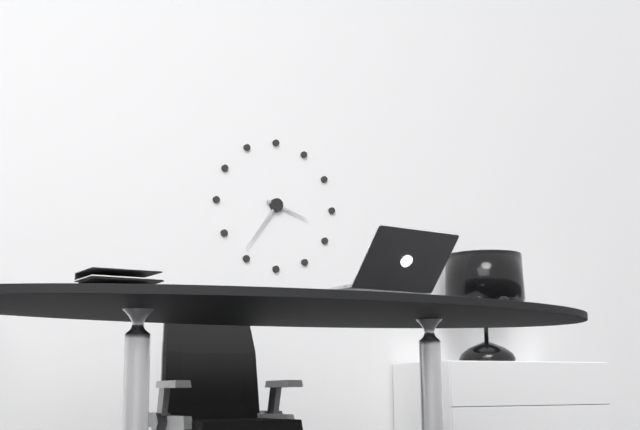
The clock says 3:36
